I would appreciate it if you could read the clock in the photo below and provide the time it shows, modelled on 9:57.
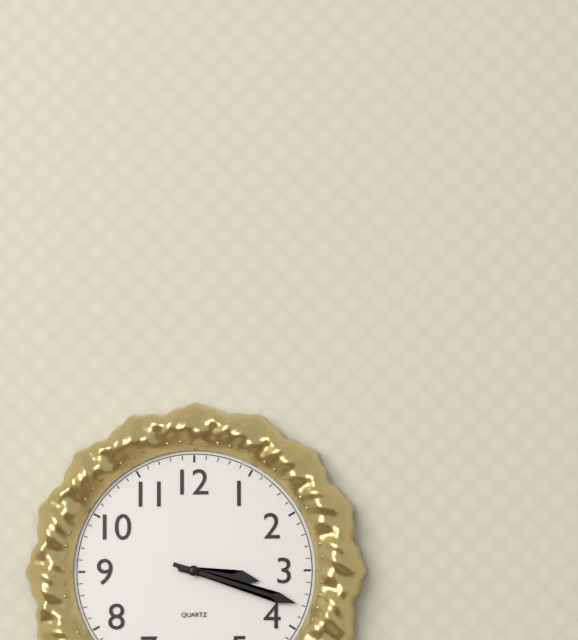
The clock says 3:18
